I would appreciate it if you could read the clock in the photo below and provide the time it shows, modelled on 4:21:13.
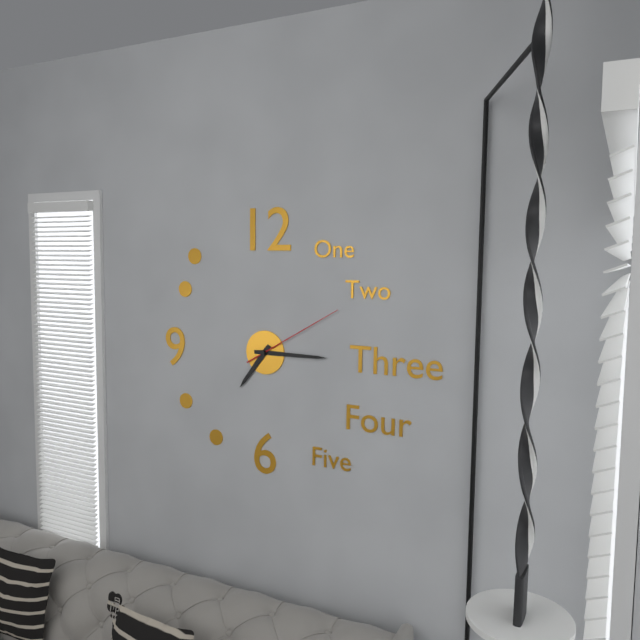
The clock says 7:15:10
